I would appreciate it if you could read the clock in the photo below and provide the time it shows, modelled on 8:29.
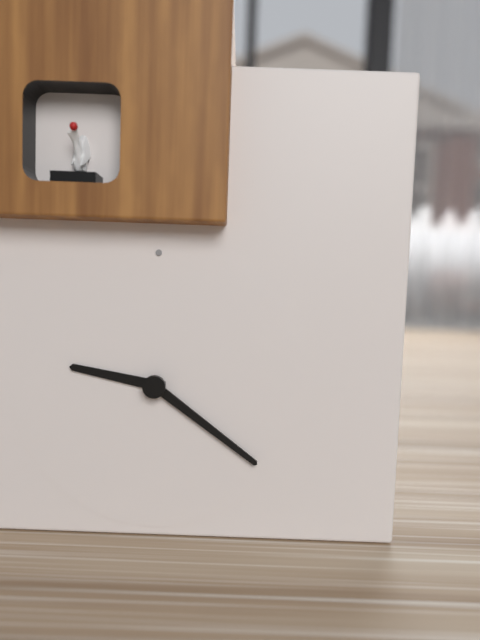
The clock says 9:21
